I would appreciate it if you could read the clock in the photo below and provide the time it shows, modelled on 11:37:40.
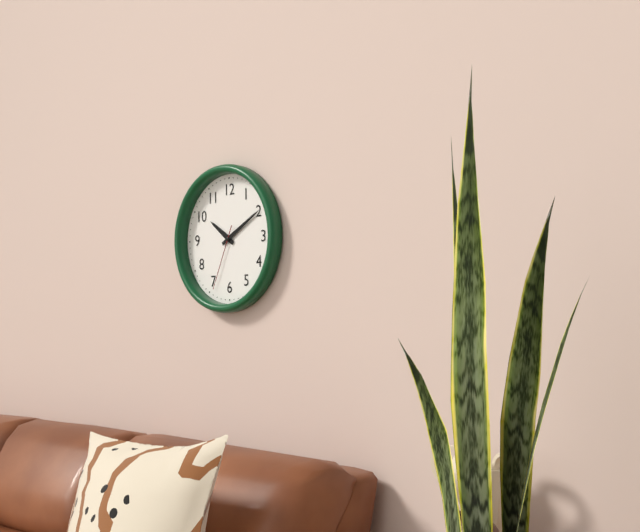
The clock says 10:10:34
